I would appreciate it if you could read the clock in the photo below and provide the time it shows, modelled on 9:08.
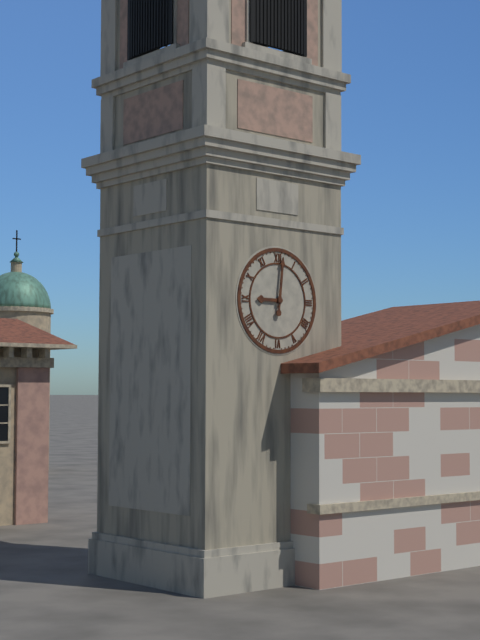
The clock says 9:01
